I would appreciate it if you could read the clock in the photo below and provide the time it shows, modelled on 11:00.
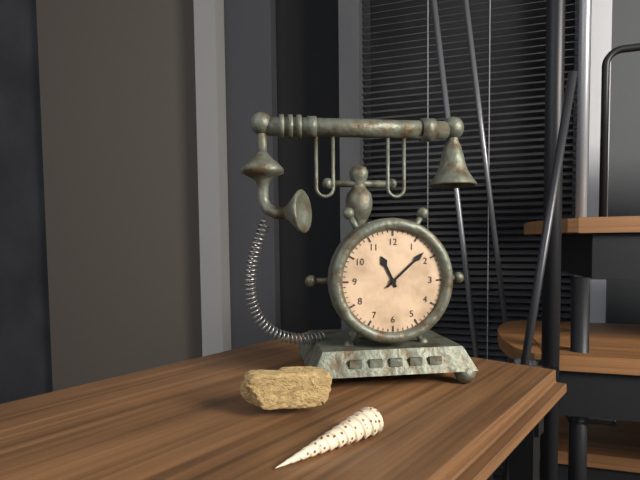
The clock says 11:08
